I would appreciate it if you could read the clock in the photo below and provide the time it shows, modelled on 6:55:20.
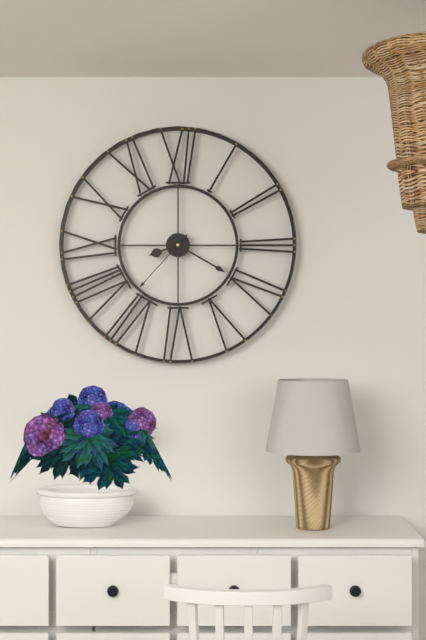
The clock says 8:20:37
